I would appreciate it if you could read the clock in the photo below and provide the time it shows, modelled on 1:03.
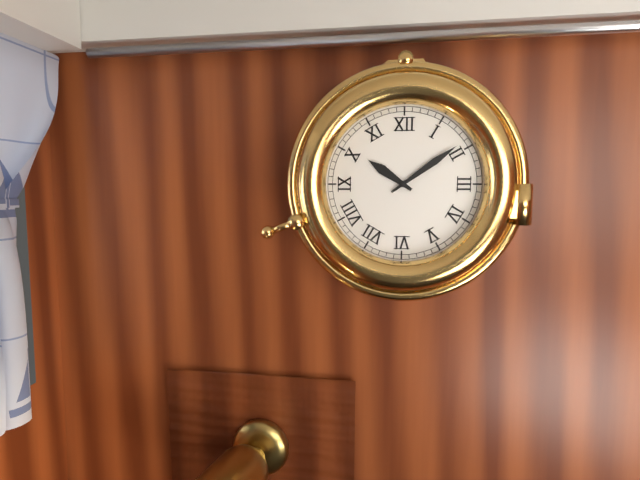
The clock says 10:09
